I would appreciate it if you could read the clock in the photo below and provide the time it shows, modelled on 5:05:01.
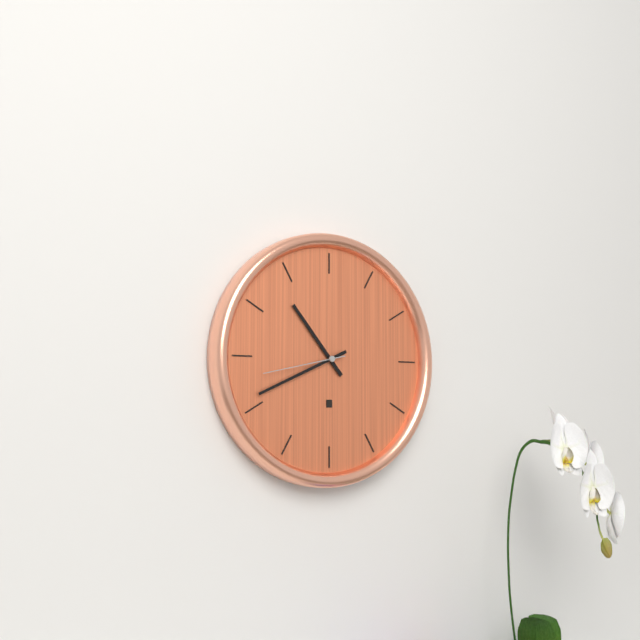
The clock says 10:41:43
